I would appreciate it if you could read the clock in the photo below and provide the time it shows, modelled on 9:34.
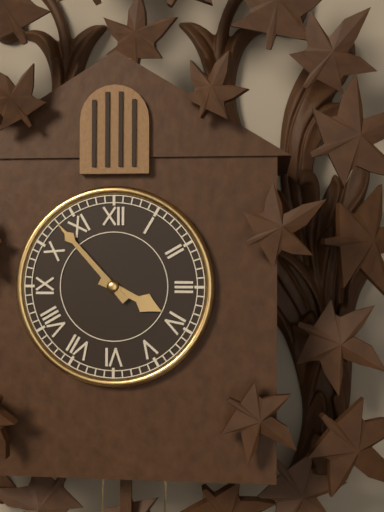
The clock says 3:53
